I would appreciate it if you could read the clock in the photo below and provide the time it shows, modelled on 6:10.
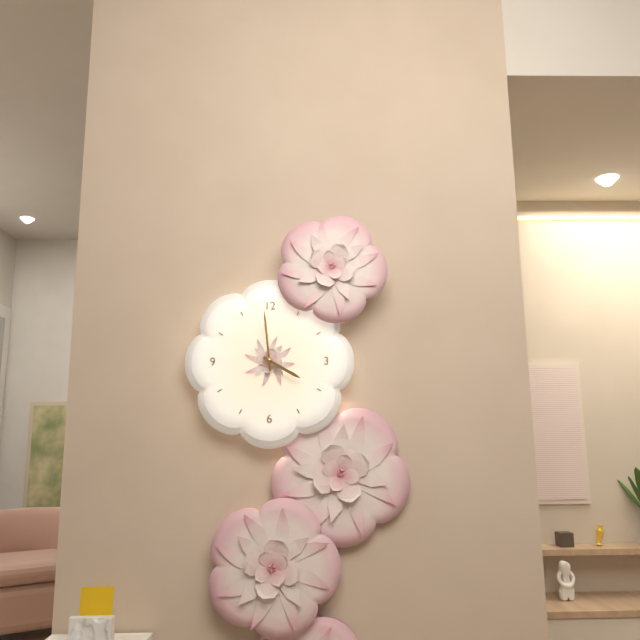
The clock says 3:59
